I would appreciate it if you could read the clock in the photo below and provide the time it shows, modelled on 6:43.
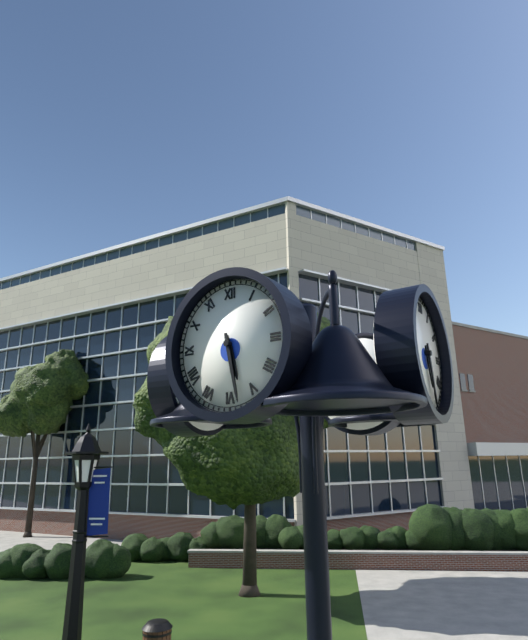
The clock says 5:28
